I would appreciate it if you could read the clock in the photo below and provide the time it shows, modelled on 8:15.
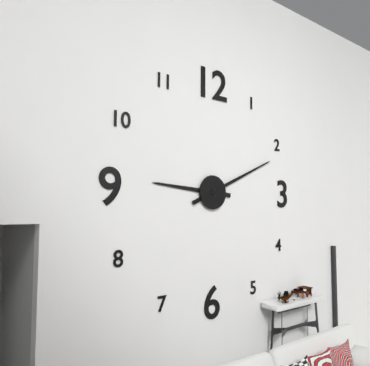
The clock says 9:11
